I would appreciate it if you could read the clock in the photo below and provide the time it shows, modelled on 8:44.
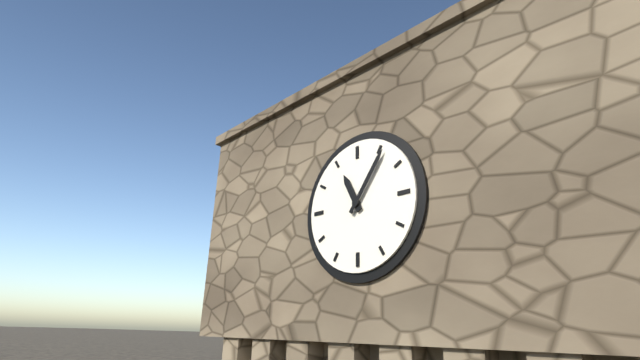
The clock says 11:06
